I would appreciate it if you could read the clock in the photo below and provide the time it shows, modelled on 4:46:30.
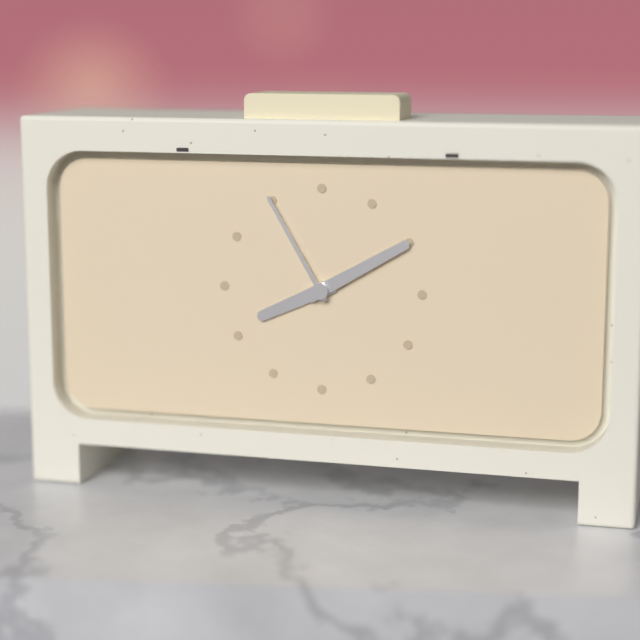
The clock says 8:10:55
